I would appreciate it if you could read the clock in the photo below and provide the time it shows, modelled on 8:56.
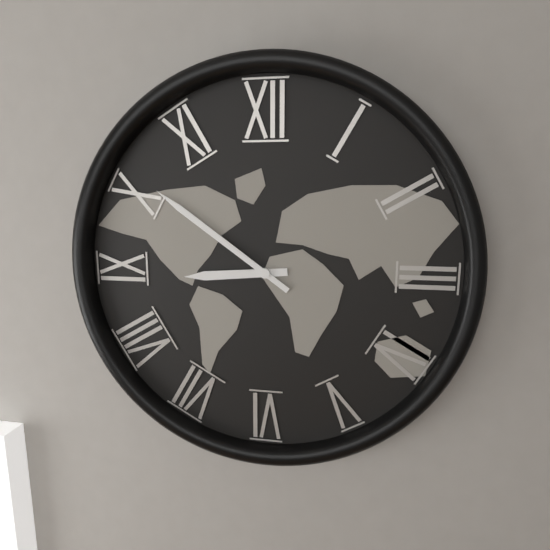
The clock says 8:51
